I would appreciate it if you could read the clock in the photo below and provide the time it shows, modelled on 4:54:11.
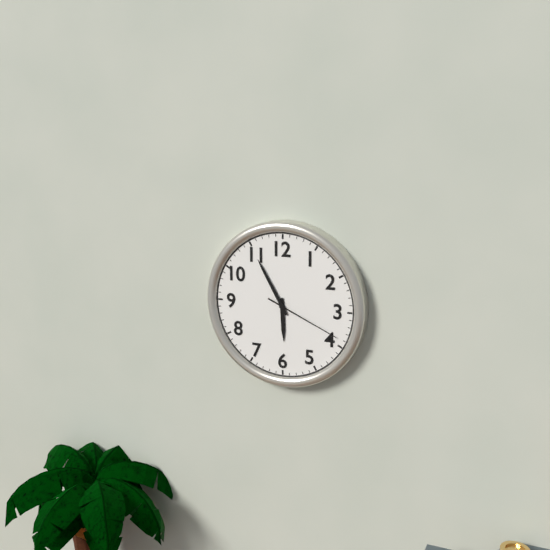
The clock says 5:55:19
